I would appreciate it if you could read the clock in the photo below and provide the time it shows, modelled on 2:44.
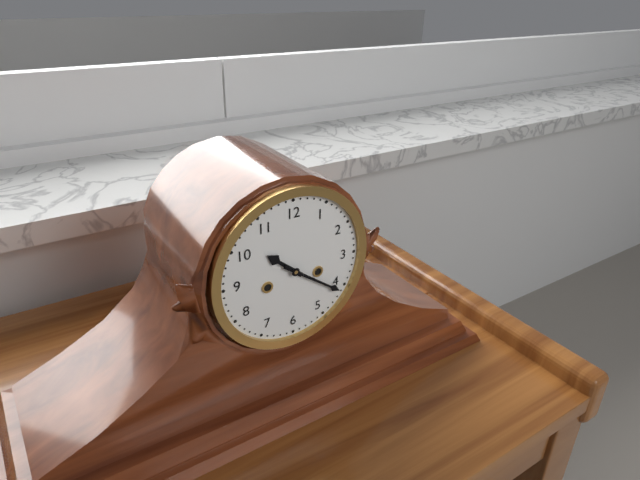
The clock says 10:21
